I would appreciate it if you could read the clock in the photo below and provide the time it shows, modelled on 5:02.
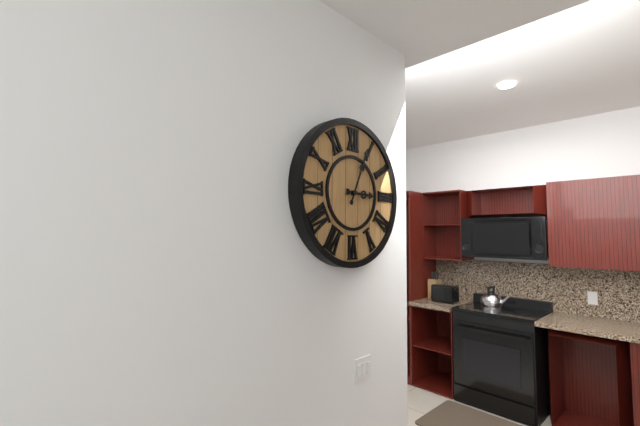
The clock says 3:04
